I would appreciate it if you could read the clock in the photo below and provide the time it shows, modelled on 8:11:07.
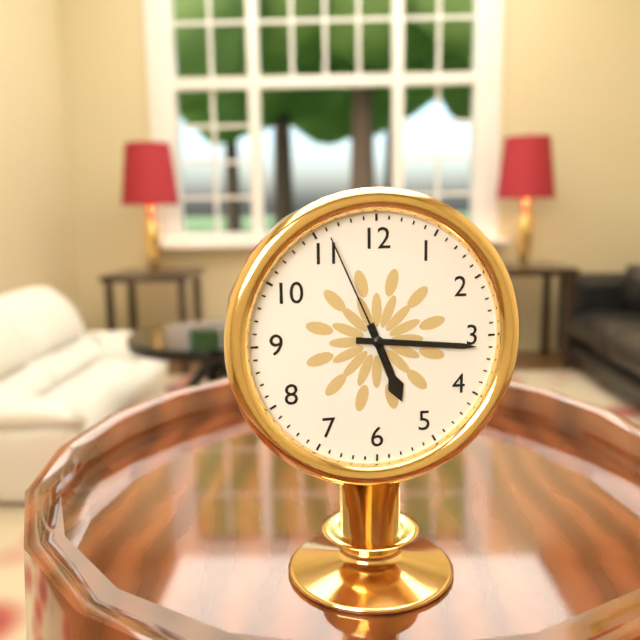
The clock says 5:16:56
